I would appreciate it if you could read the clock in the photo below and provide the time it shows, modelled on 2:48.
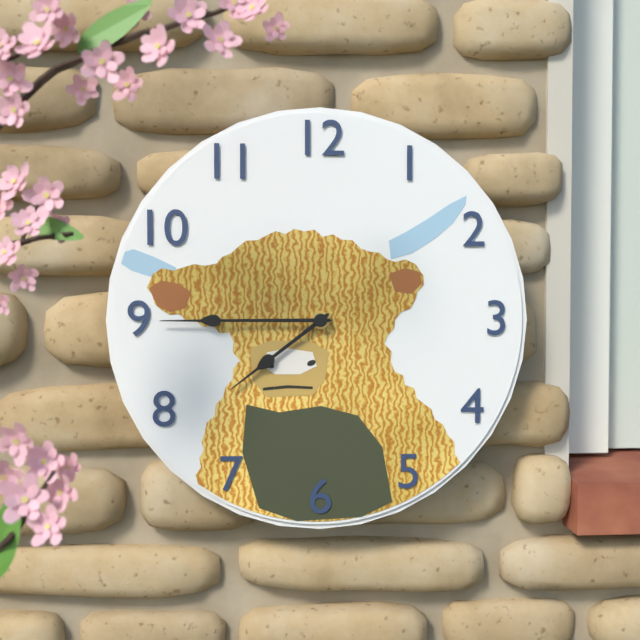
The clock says 7:45
